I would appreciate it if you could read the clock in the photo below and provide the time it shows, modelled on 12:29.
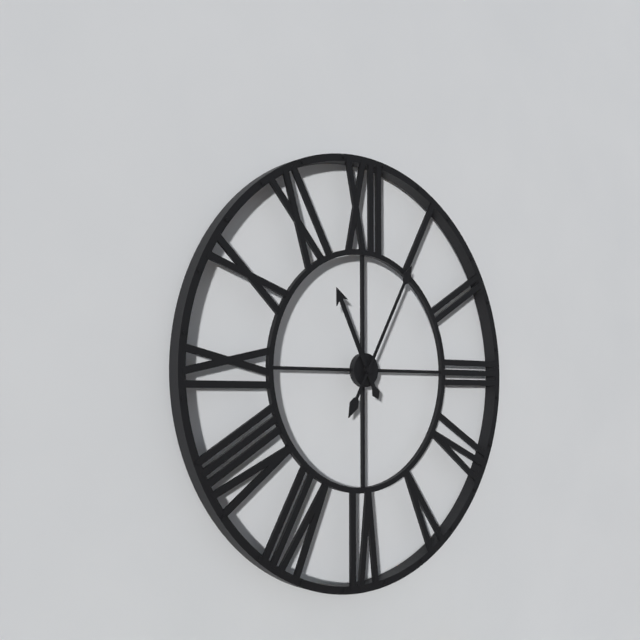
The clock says 11:05
